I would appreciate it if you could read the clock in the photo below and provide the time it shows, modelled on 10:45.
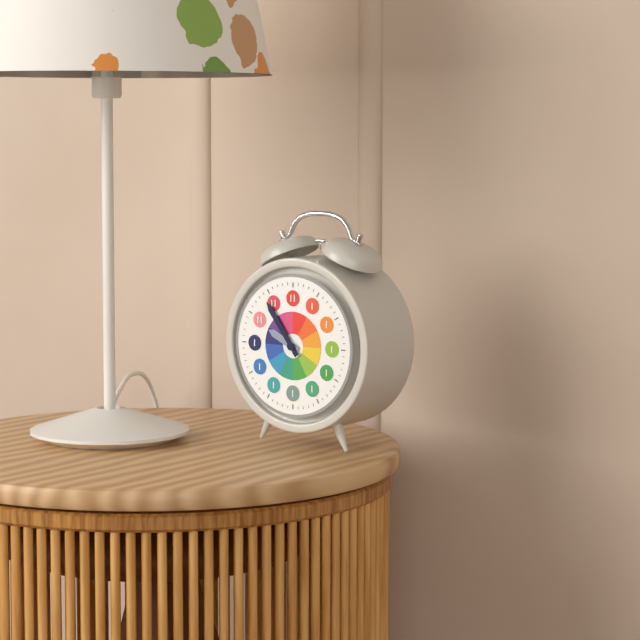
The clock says 9:54
